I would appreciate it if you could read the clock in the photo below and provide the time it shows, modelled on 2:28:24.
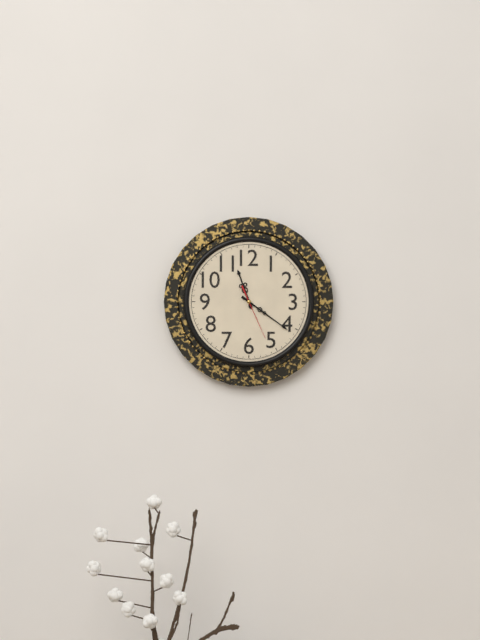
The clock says 11:21:26
